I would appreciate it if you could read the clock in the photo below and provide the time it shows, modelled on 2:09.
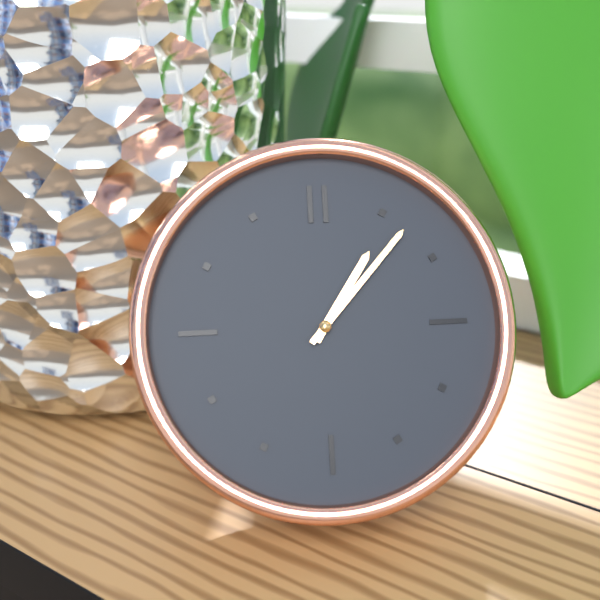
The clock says 1:07
